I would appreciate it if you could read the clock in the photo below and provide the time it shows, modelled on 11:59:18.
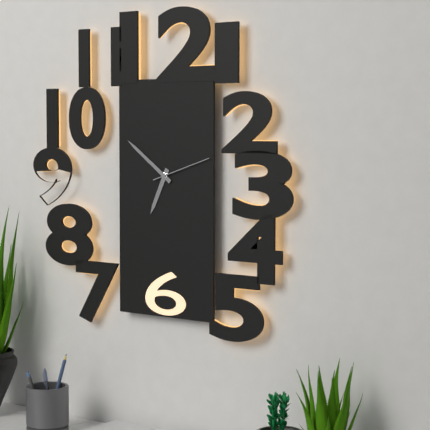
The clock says 6:51:12
